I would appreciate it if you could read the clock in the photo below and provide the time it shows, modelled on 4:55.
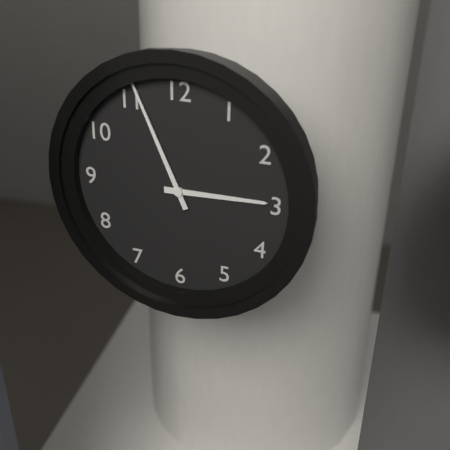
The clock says 2:56
